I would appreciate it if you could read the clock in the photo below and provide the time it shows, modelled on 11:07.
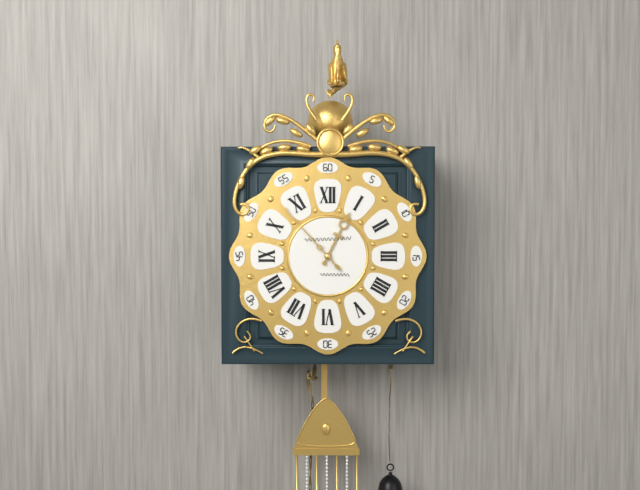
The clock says 12:53
